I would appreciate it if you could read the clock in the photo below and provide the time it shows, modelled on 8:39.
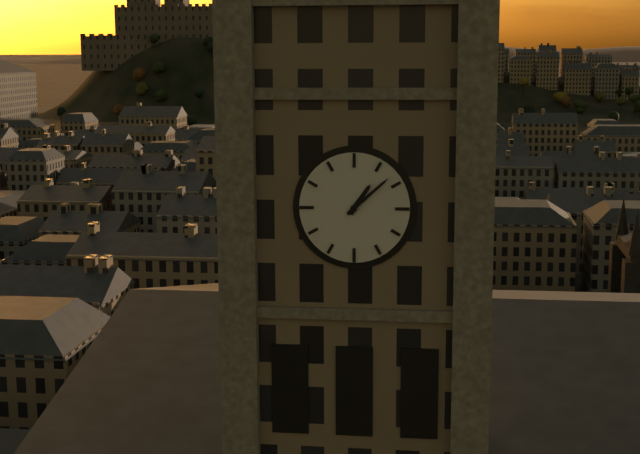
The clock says 1:08
